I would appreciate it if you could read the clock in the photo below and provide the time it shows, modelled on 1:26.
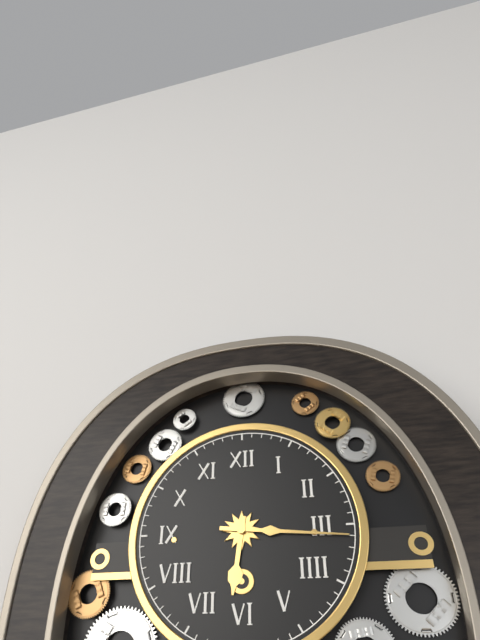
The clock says 6:16
